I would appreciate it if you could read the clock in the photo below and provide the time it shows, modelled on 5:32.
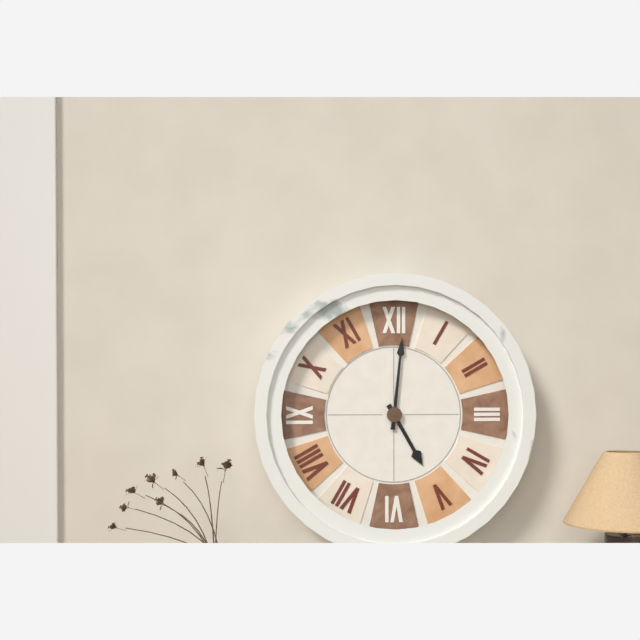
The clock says 5:01
